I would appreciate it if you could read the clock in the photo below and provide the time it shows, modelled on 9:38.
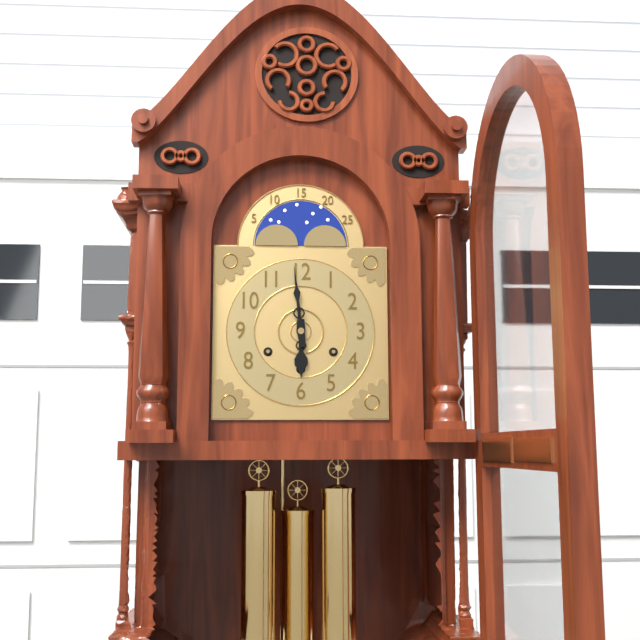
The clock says 5:59
